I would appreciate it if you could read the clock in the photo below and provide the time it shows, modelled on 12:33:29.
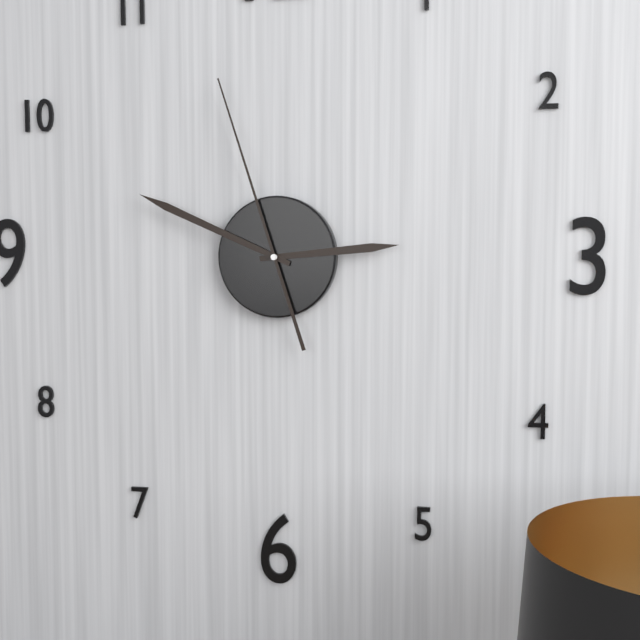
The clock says 2:49:57
